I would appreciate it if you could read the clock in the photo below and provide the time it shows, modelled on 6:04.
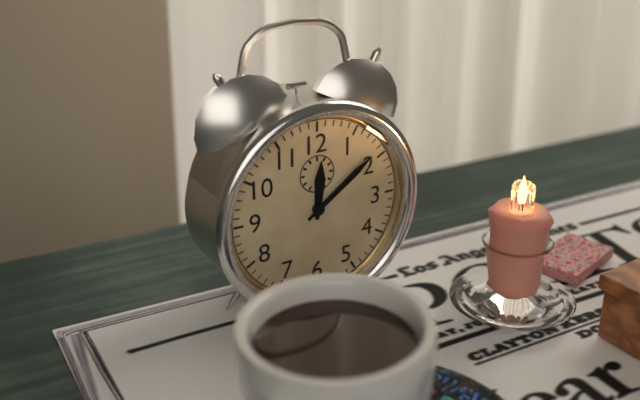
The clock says 12:09
